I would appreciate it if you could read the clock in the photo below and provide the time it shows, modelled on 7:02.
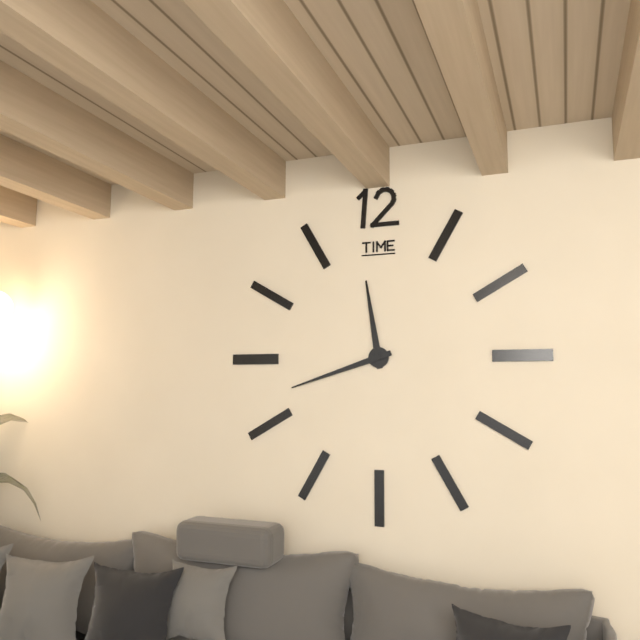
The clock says 11:42
